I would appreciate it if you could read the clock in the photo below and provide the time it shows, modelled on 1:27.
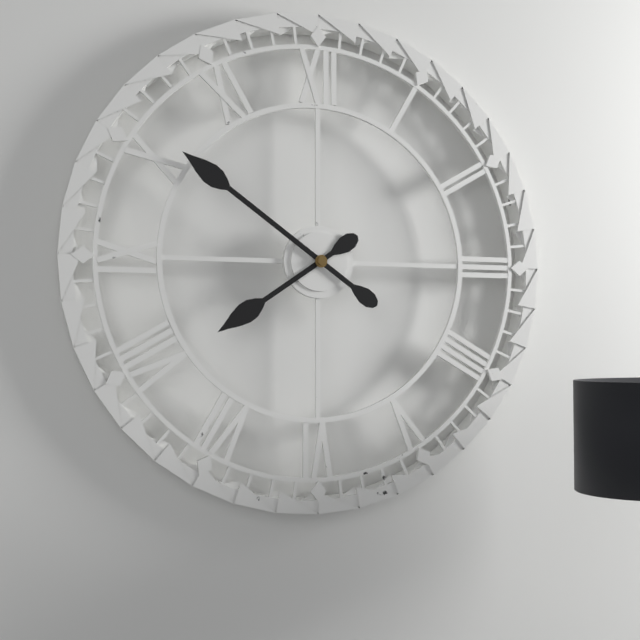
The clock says 7:51
